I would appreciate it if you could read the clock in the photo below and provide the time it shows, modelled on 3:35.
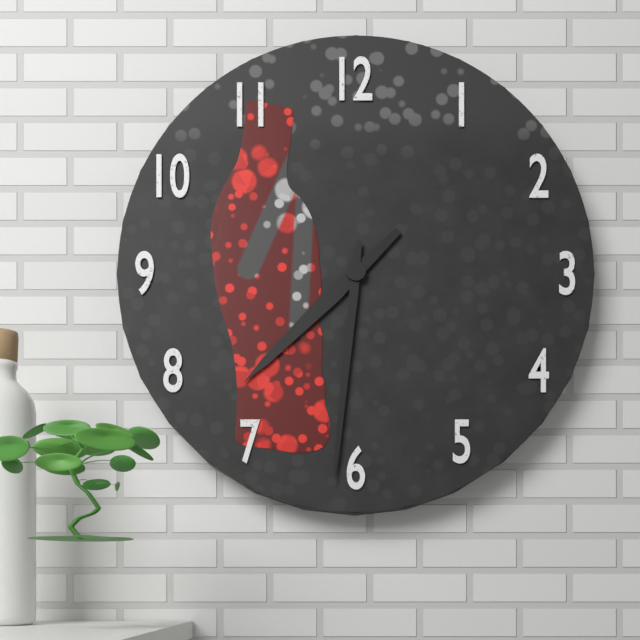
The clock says 7:31
